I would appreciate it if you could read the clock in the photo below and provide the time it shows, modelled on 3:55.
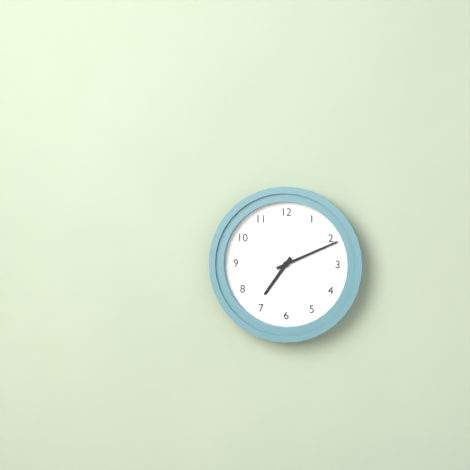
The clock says 7:11
